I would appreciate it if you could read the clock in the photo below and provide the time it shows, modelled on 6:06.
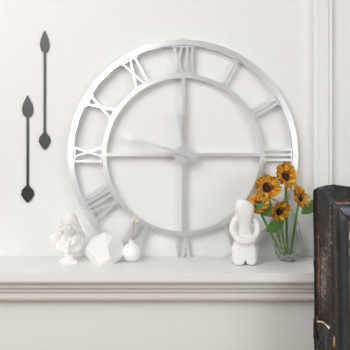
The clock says 11:48
